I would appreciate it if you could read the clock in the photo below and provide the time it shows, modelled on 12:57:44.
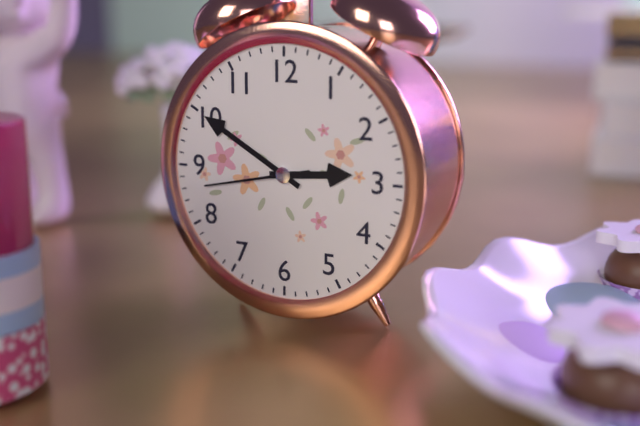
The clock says 2:50:43
